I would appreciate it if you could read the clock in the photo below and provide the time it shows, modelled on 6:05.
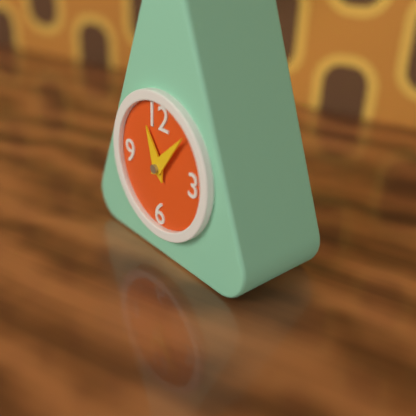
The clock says 11:07
